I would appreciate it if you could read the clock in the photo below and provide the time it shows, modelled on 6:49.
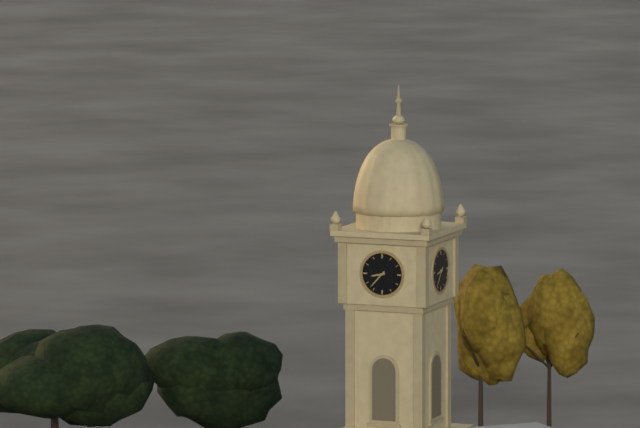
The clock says 8:37
